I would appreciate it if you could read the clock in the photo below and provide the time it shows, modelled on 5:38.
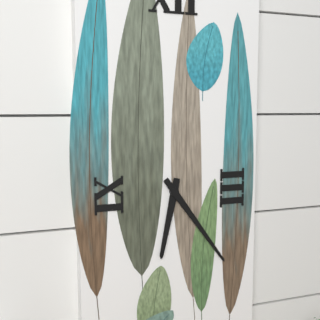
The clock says 6:24
